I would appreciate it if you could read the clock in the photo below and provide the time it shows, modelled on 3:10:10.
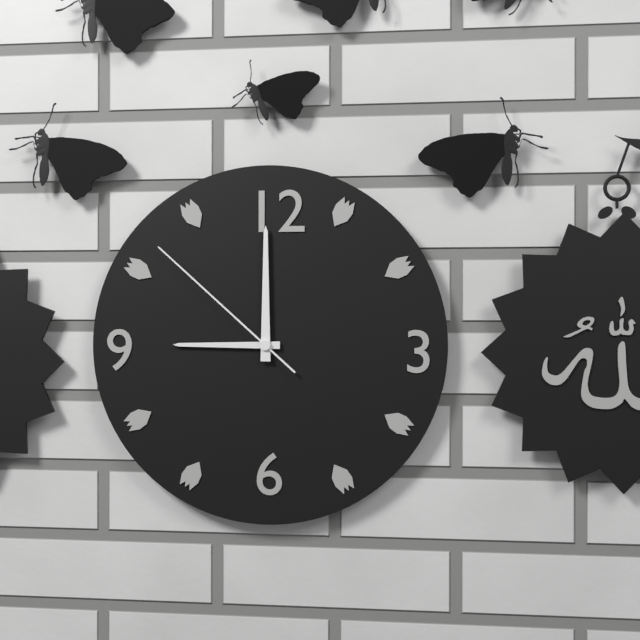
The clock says 9:00:52
